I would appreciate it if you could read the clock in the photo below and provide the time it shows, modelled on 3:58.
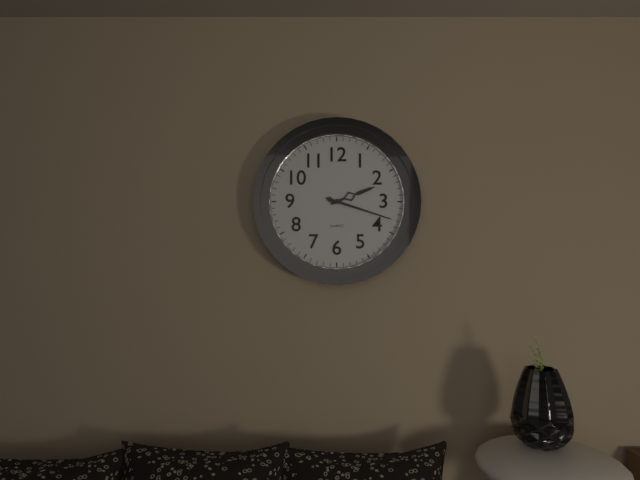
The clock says 2:18
